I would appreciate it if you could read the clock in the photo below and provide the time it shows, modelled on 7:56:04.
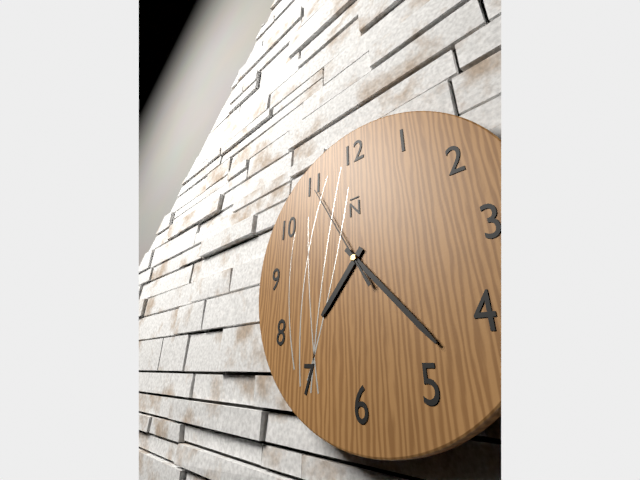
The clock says 7:23:55
